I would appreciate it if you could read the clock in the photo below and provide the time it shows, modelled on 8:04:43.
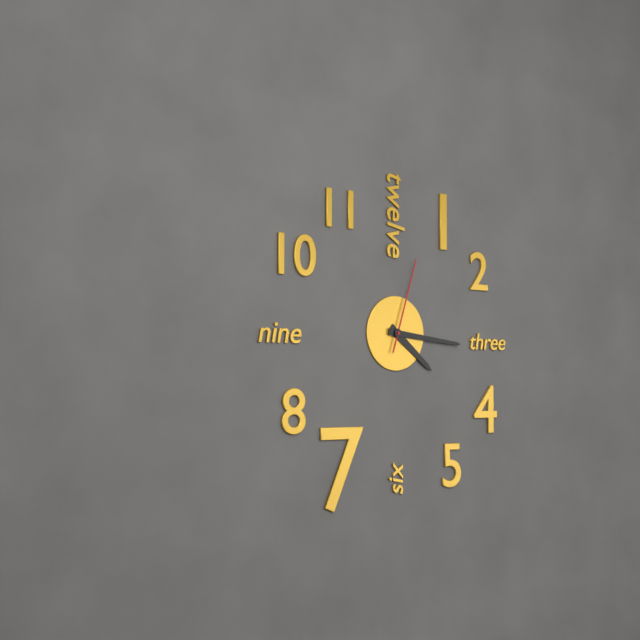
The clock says 4:16:03
